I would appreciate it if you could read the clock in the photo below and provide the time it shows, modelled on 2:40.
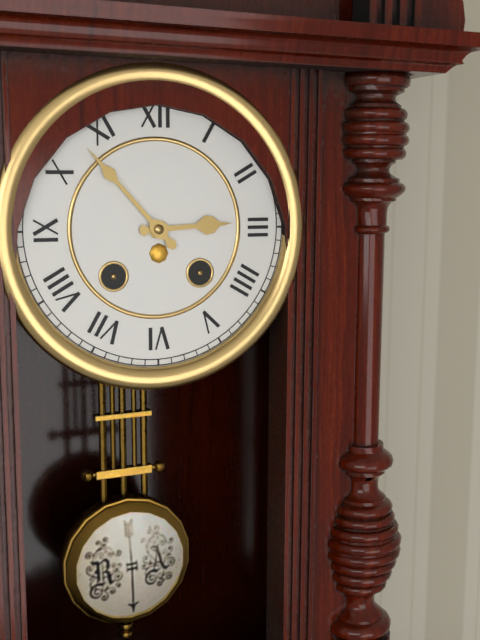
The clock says 2:53
